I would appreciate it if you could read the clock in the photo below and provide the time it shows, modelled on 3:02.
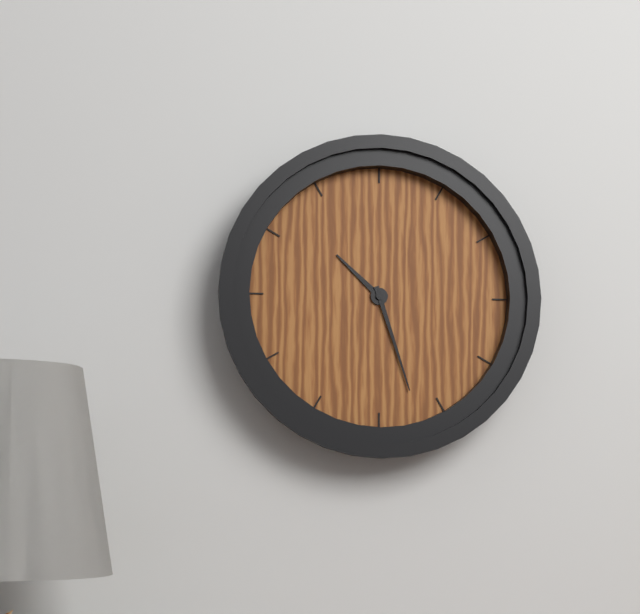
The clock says 10:27
